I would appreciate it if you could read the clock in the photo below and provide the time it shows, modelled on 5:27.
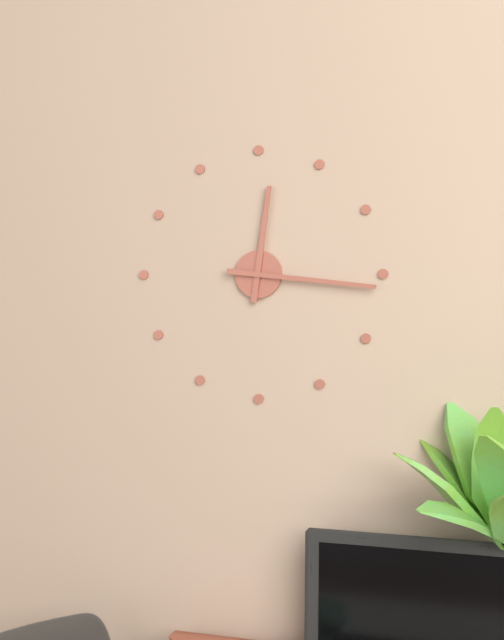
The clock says 12:16
